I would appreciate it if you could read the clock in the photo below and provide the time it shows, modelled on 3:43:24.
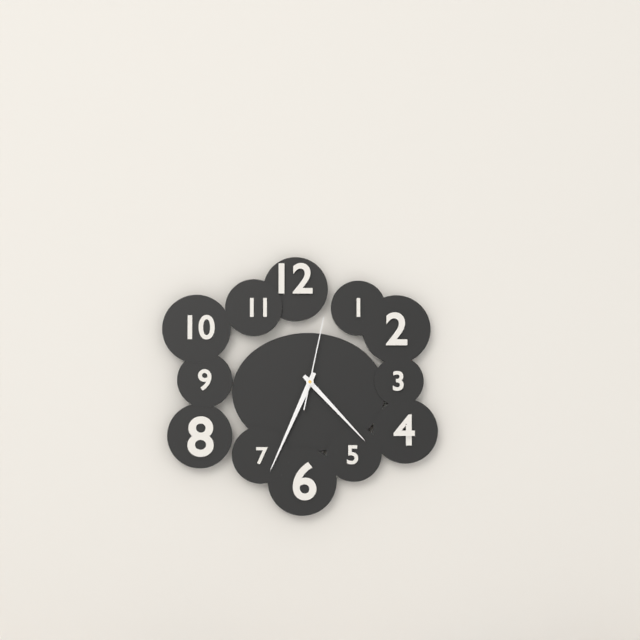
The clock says 4:34:02
